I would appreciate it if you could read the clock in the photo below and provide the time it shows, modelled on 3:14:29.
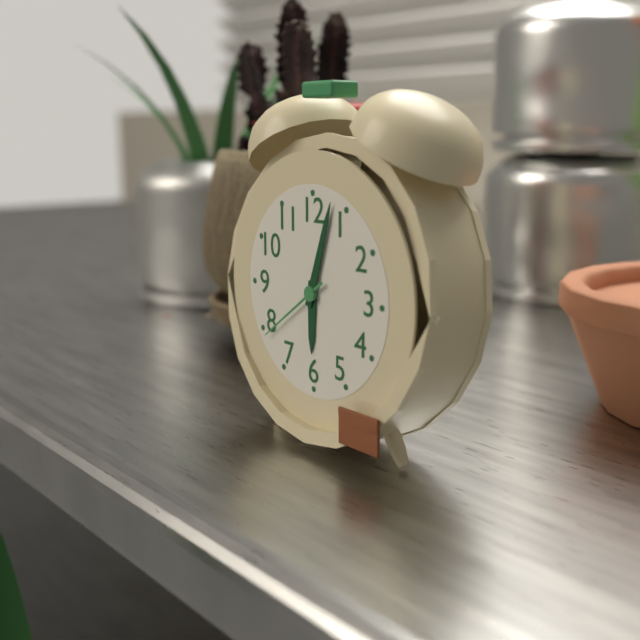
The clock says 6:03:39
